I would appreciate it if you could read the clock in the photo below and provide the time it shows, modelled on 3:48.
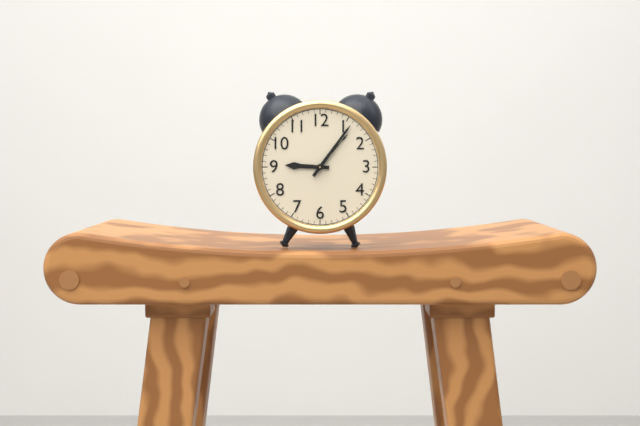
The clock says 9:06
